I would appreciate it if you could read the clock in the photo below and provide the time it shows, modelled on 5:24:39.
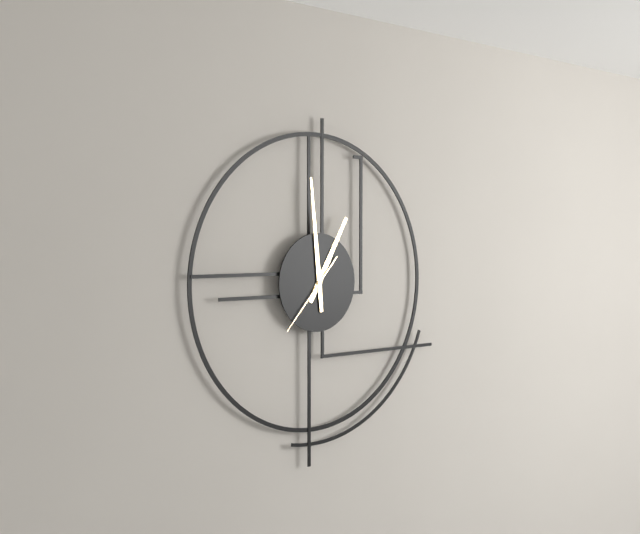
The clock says 12:59:37
